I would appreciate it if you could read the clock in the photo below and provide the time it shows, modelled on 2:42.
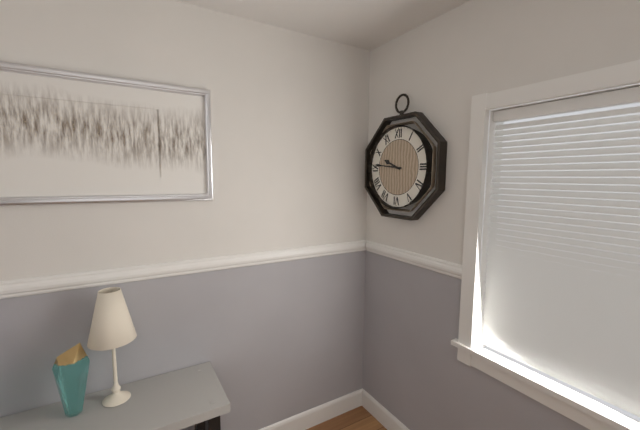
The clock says 9:46
